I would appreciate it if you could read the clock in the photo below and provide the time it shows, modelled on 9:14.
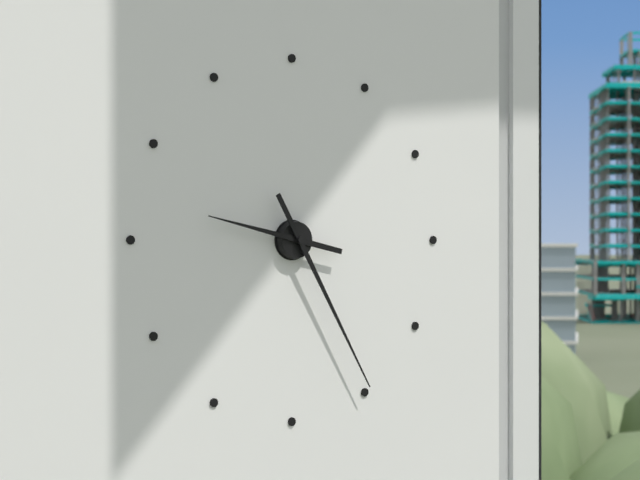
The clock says 9:25
